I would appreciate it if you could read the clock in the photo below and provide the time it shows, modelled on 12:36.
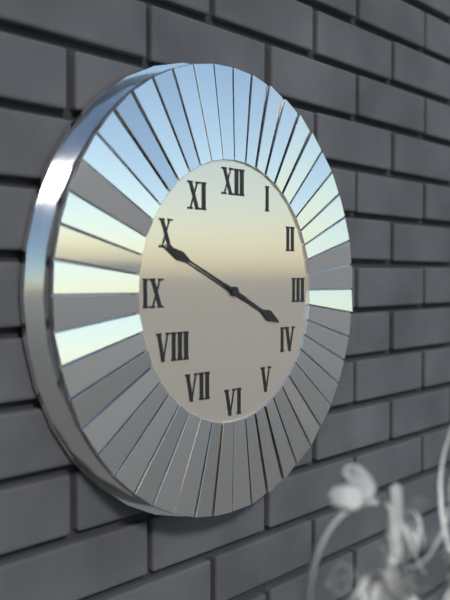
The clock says 3:49
